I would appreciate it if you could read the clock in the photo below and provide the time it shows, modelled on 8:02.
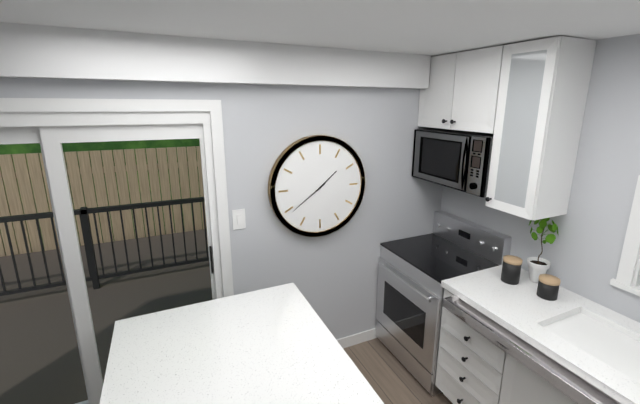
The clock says 1:39
